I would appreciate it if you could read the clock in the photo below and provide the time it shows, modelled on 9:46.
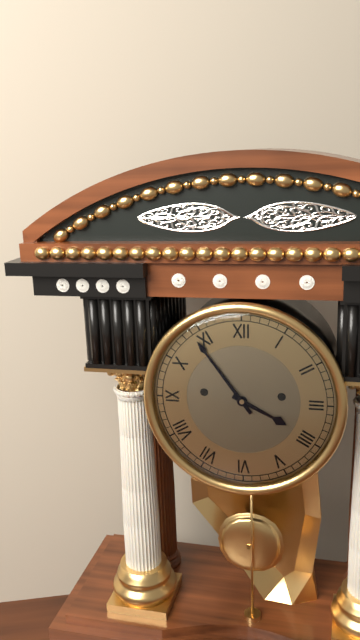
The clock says 3:54
